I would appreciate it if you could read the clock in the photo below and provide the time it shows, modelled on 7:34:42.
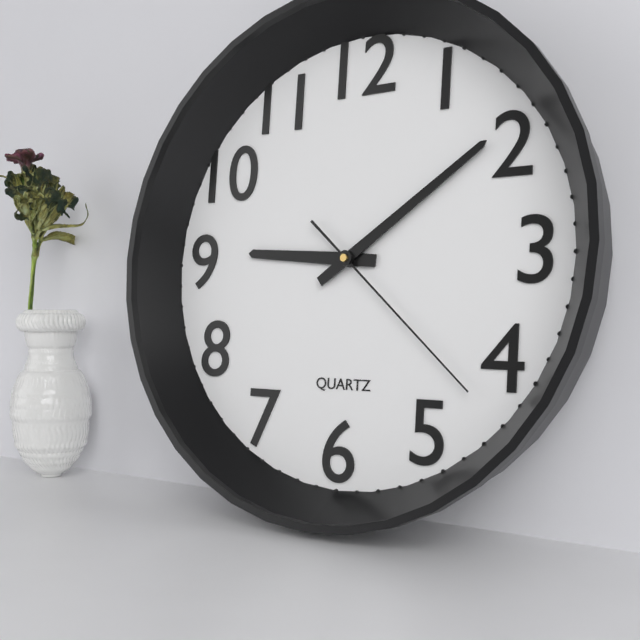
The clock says 9:09:22
